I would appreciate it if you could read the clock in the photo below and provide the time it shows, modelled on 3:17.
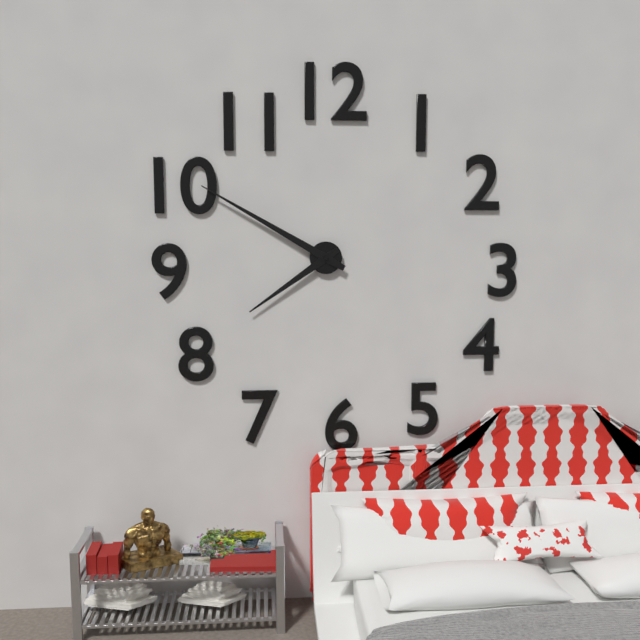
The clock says 7:50
